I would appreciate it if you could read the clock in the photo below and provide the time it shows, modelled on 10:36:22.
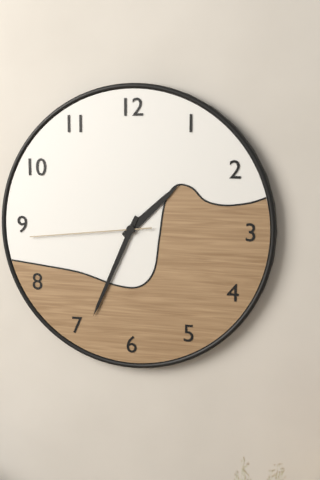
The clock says 1:34:44
